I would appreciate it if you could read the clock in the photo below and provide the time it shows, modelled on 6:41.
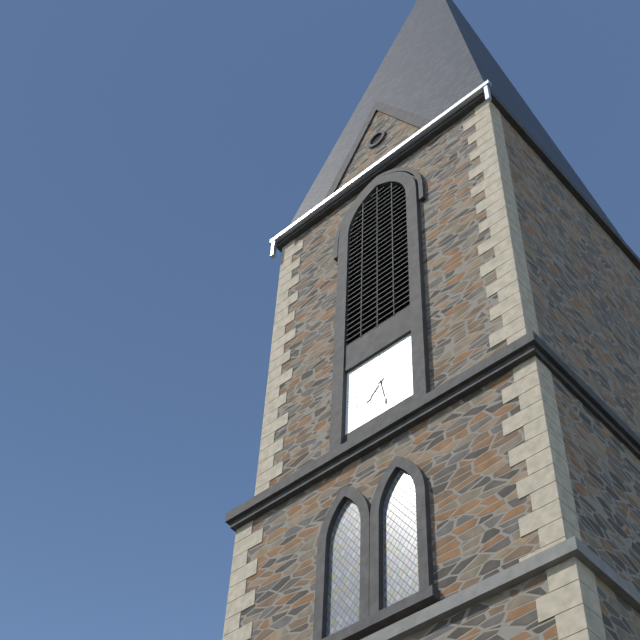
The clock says 7:28
